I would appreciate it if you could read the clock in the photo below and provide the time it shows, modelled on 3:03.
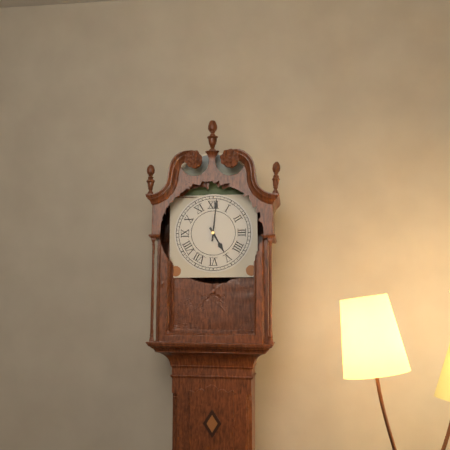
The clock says 5:01
